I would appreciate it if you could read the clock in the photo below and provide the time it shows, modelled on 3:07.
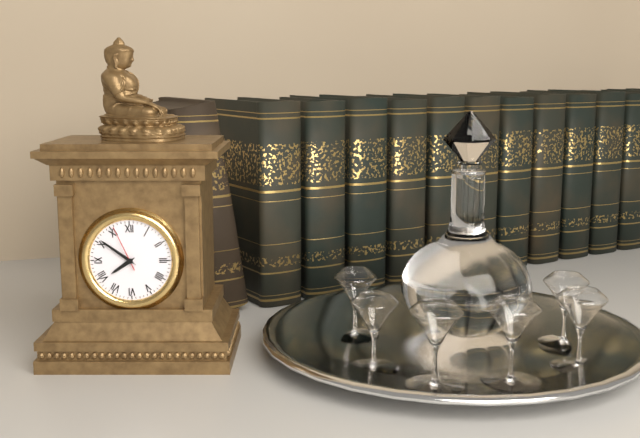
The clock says 7:51
